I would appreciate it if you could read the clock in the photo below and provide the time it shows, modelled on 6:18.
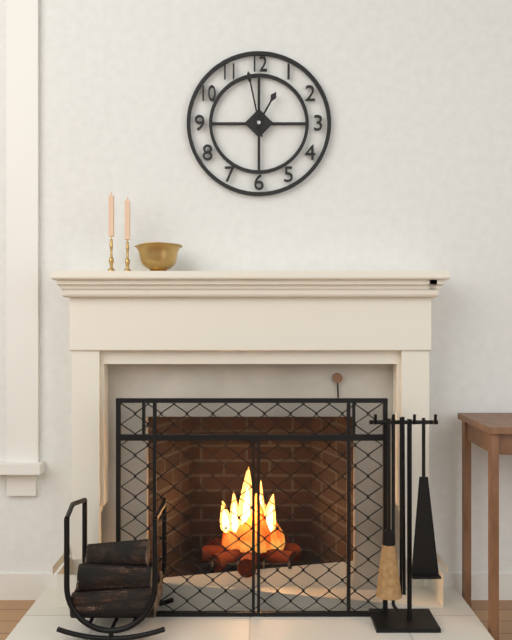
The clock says 12:58
